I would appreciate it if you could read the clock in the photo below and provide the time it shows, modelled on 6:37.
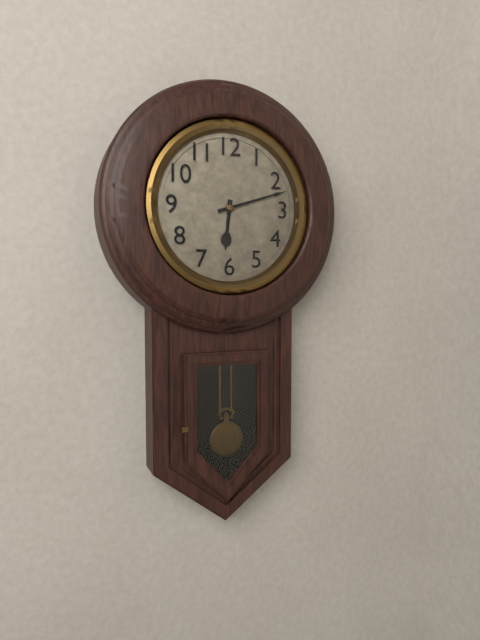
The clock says 6:12
